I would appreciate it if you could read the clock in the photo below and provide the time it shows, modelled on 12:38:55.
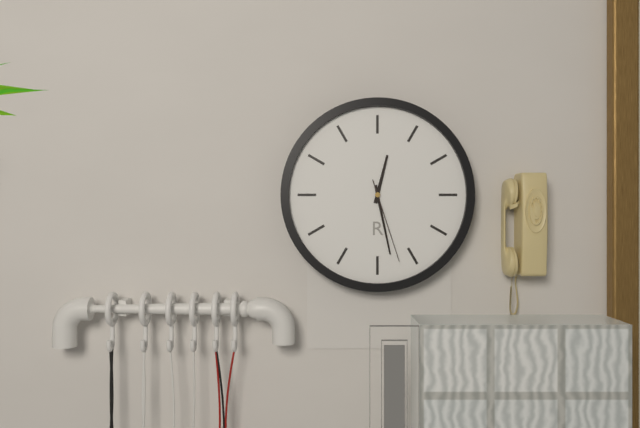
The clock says 12:28:27
